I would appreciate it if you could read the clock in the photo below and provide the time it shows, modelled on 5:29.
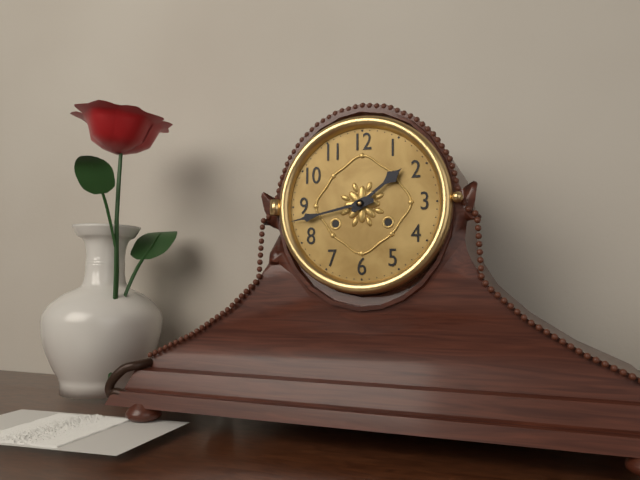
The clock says 1:43
